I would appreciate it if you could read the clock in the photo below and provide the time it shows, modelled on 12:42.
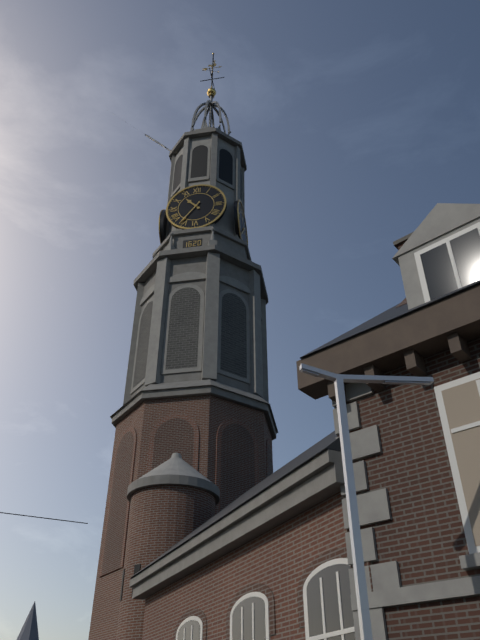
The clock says 10:36
